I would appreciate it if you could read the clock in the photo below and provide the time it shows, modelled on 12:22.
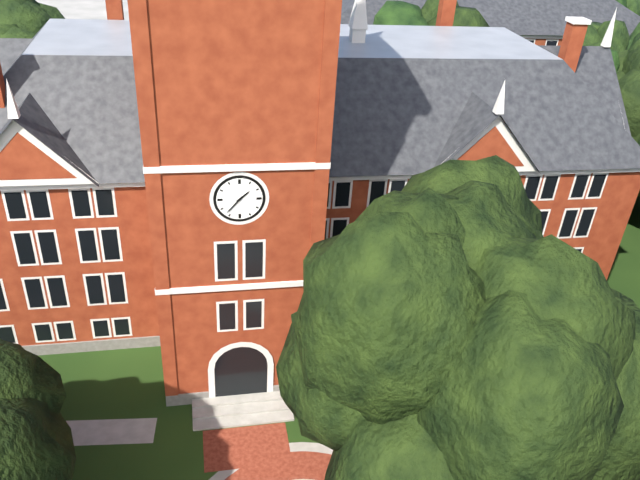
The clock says 1:37
